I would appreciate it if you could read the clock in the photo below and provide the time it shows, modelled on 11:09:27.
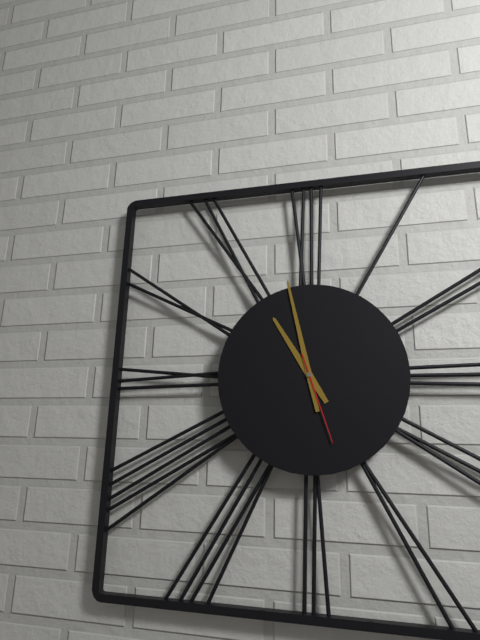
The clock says 10:58:27
